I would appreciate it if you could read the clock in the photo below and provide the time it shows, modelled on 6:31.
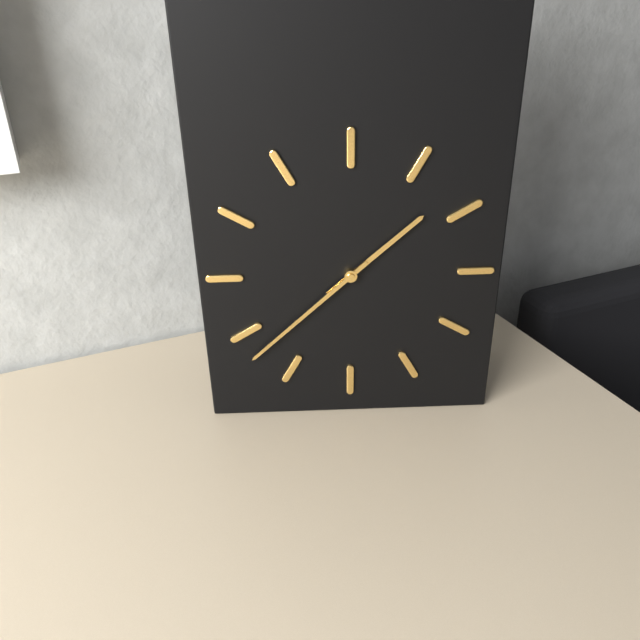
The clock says 1:38
